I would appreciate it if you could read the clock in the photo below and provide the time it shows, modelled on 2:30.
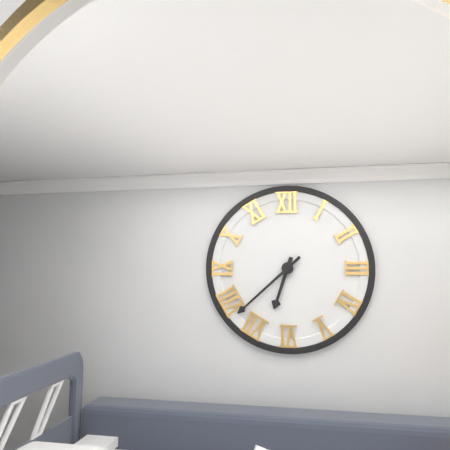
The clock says 6:38
